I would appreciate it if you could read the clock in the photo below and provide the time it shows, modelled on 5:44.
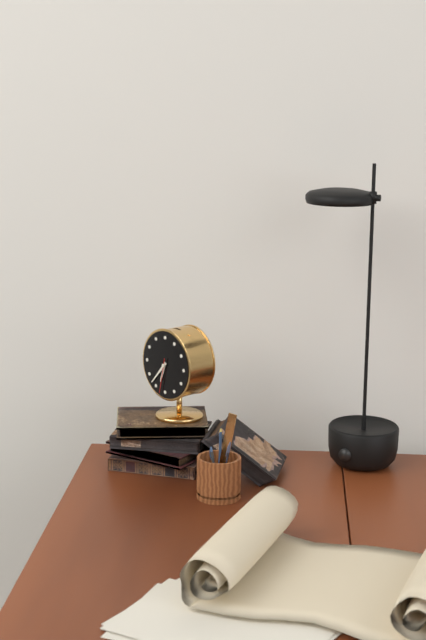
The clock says 6:37
